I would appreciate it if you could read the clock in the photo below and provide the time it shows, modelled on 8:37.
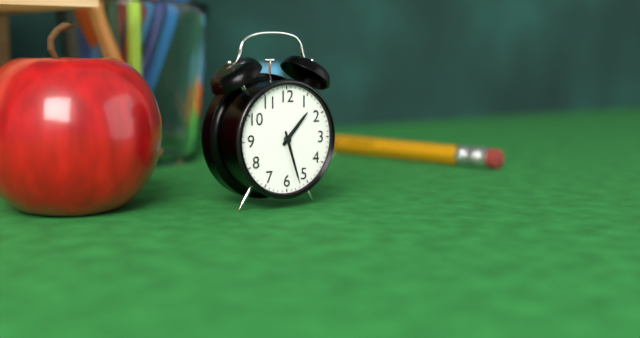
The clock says 1:27
